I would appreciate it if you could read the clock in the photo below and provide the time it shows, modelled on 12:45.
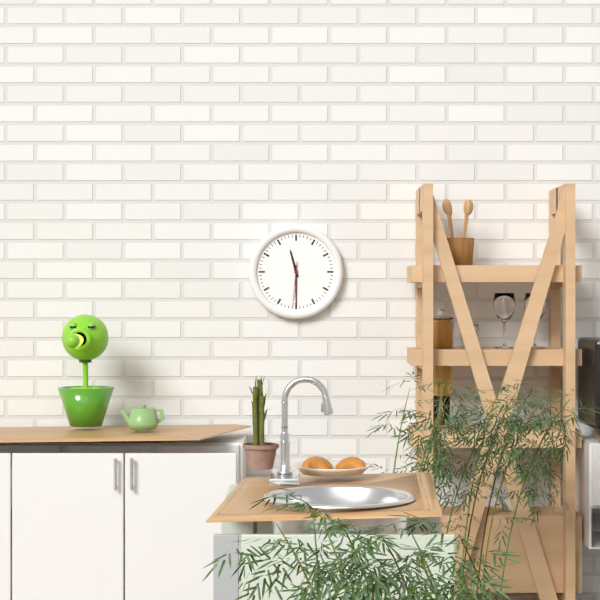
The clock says 11:30
